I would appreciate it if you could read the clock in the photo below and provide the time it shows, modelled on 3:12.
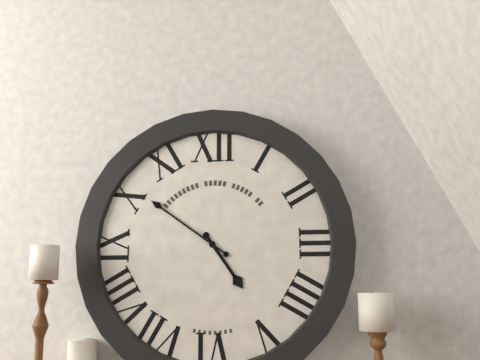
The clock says 4:51
